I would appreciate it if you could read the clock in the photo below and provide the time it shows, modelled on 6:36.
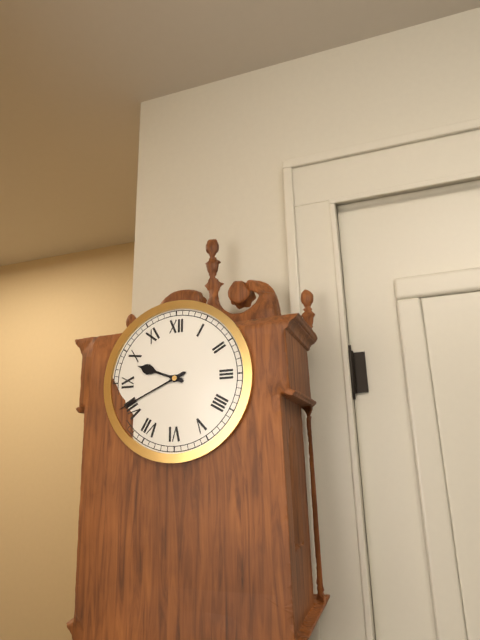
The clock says 9:41
